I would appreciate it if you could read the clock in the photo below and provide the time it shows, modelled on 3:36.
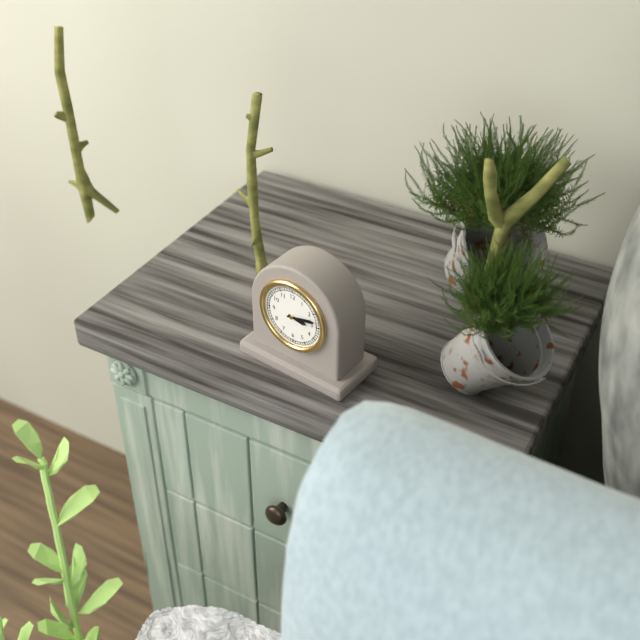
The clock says 3:13
